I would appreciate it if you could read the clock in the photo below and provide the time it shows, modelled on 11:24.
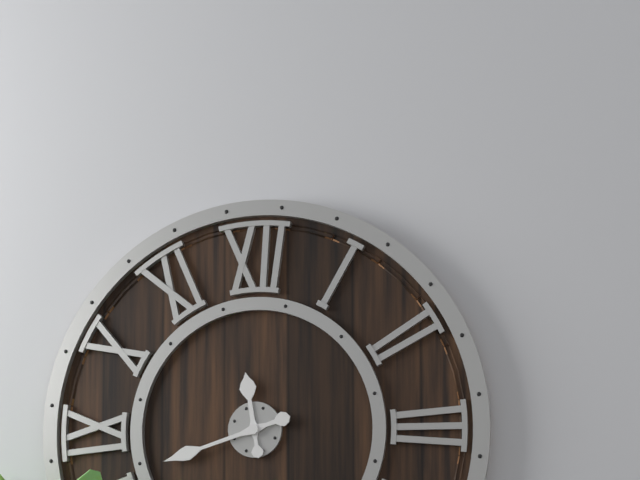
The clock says 11:42
